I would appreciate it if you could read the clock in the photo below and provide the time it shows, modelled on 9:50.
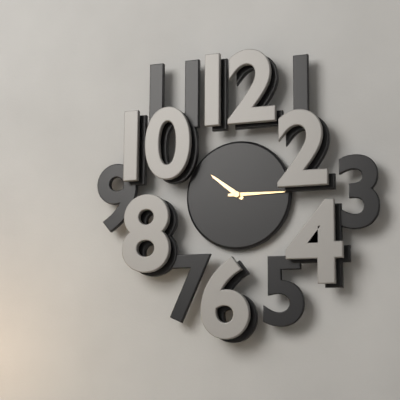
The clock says 10:15
